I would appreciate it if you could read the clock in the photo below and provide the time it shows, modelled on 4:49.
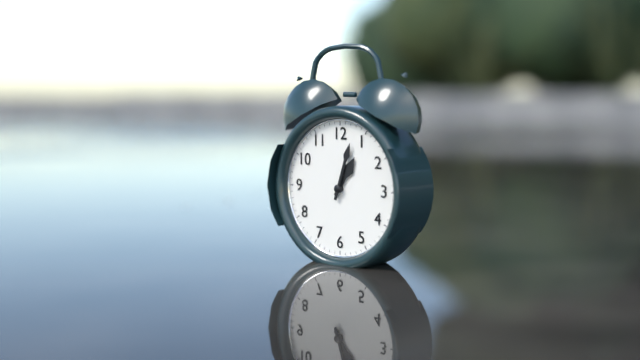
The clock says 1:03
